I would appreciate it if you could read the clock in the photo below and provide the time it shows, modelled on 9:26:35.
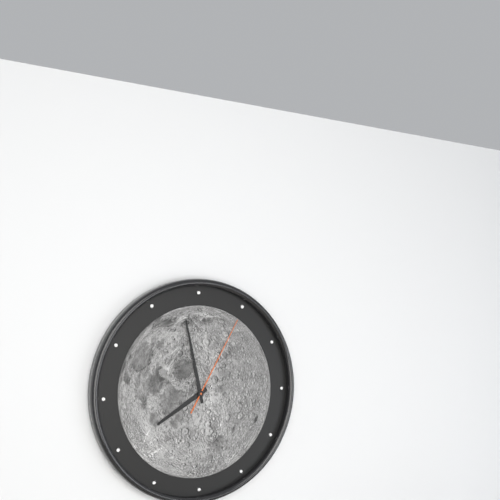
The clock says 7:58:05
